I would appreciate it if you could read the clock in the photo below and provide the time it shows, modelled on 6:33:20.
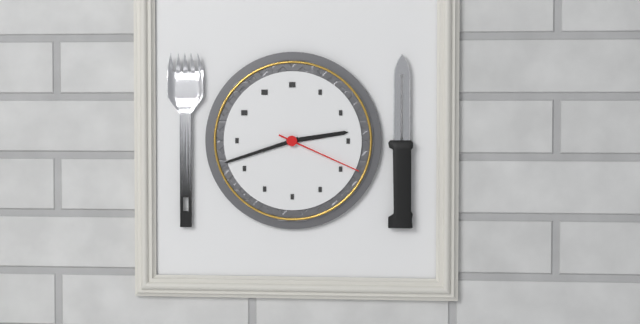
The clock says 2:42:19
